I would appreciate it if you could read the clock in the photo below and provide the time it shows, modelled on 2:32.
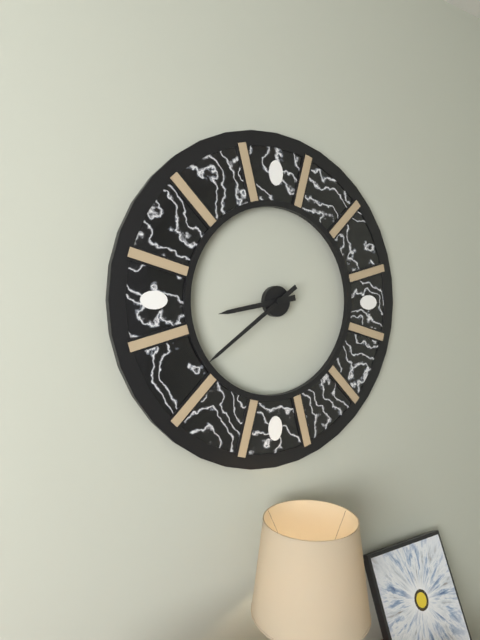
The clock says 8:39
